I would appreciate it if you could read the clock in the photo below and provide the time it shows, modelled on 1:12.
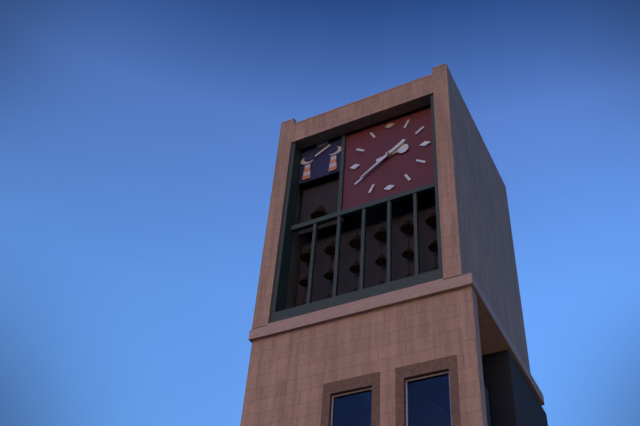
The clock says 2:39
